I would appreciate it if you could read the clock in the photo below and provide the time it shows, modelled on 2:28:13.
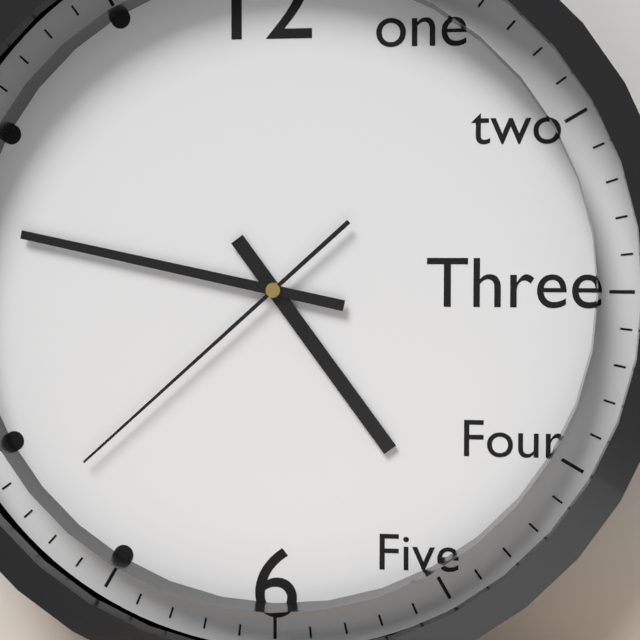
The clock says 4:47:38
